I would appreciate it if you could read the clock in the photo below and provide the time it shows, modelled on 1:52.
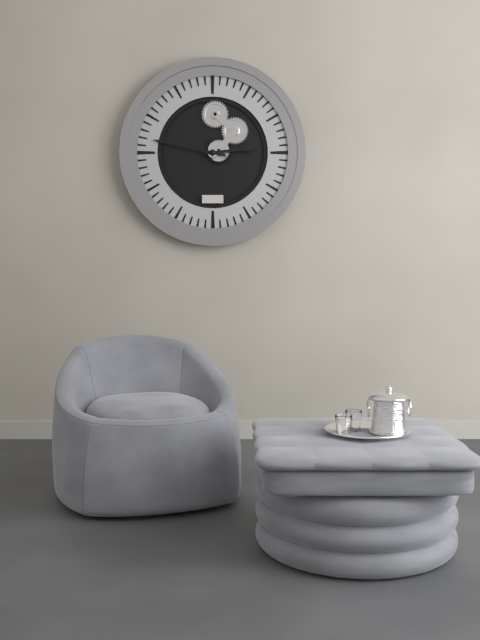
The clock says 2:47
